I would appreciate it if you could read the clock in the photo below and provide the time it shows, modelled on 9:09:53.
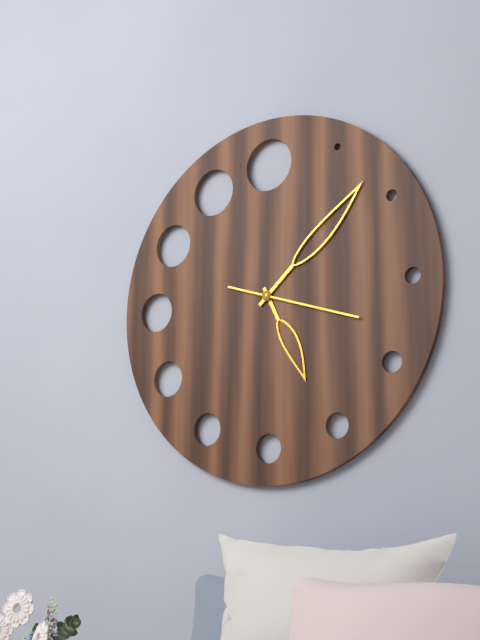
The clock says 5:08:18
